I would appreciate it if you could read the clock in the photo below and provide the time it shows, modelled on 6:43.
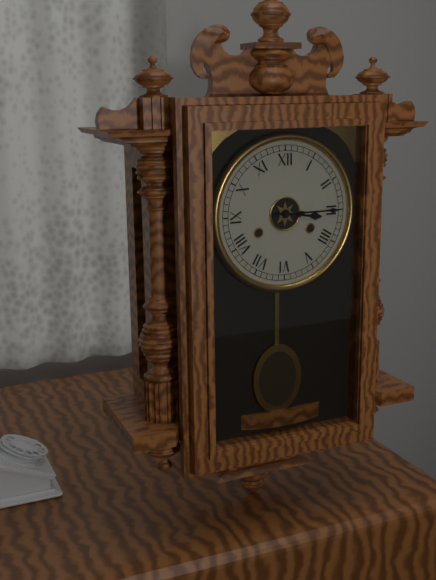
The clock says 3:15
